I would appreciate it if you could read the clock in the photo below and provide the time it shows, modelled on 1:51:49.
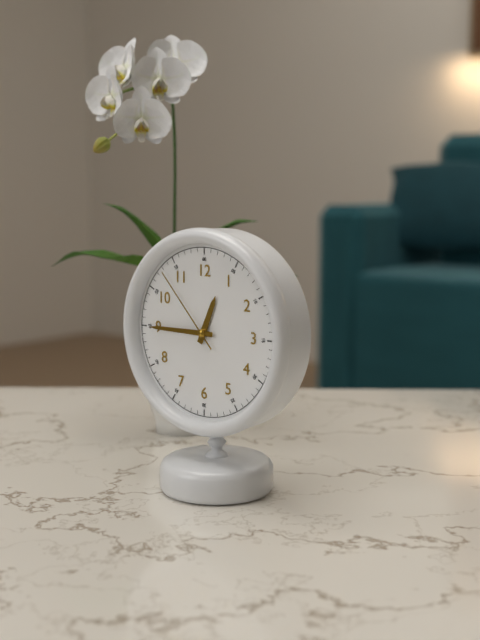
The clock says 12:45:53
